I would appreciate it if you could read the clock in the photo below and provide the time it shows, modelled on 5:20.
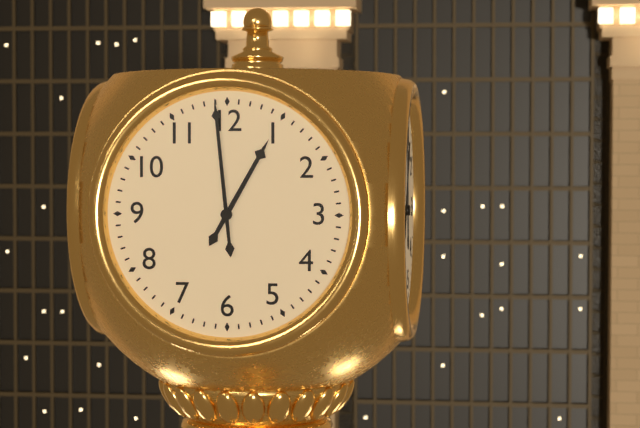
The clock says 12:59
